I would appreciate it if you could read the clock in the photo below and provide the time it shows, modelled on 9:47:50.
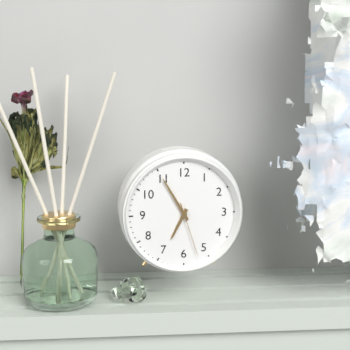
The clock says 6:55:27
